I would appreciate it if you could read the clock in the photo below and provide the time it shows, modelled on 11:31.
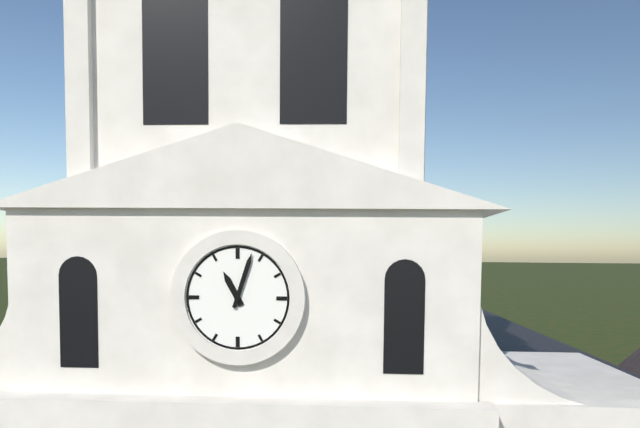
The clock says 11:03
